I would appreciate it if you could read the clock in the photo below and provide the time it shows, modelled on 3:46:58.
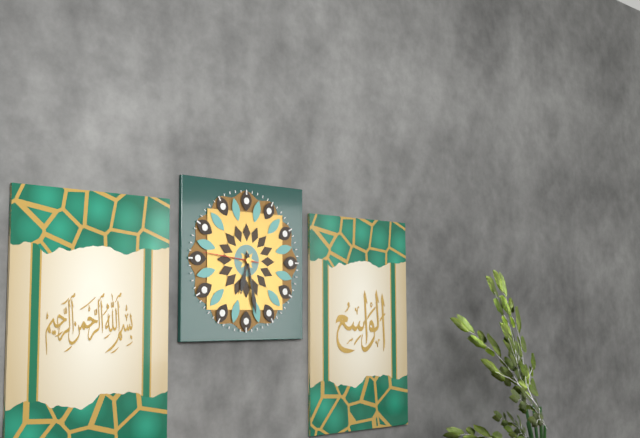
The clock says 6:28:46
